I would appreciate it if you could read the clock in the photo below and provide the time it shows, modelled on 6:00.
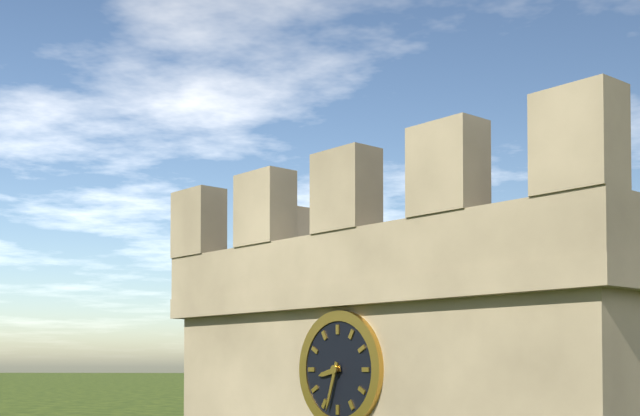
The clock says 8:33
